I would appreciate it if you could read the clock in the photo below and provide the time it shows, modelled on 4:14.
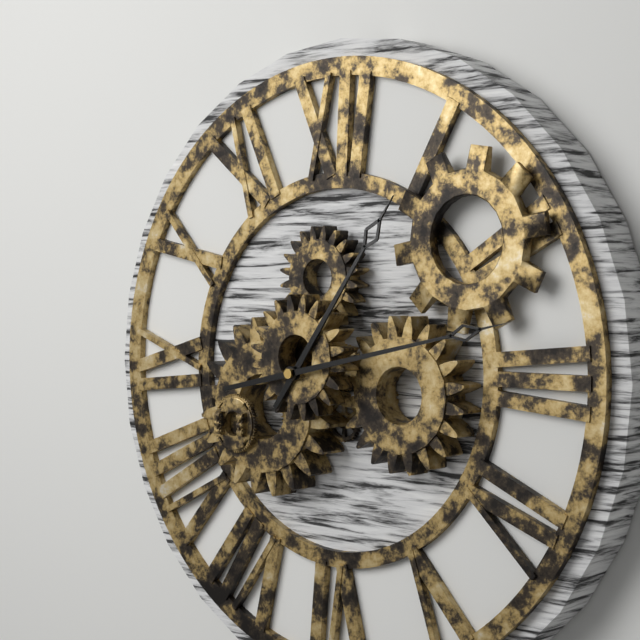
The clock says 1:13
